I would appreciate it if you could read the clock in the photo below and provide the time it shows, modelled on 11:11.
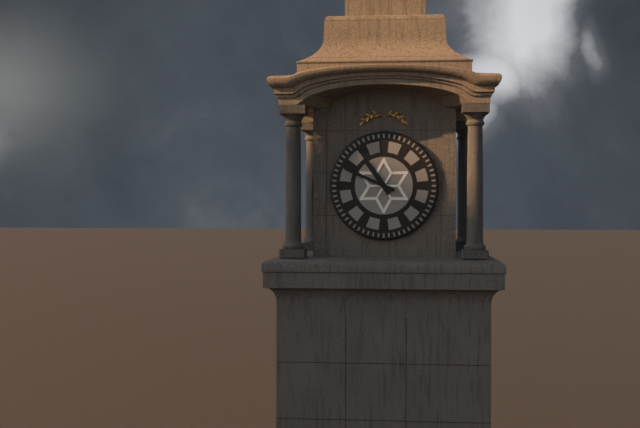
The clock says 10:49
